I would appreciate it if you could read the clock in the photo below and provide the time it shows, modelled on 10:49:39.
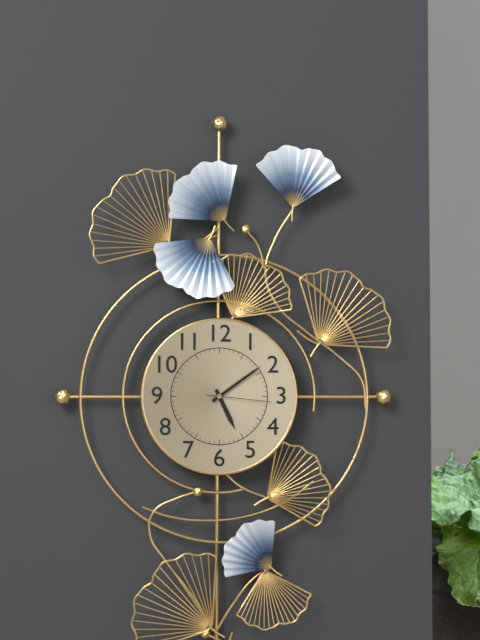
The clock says 5:09:16
